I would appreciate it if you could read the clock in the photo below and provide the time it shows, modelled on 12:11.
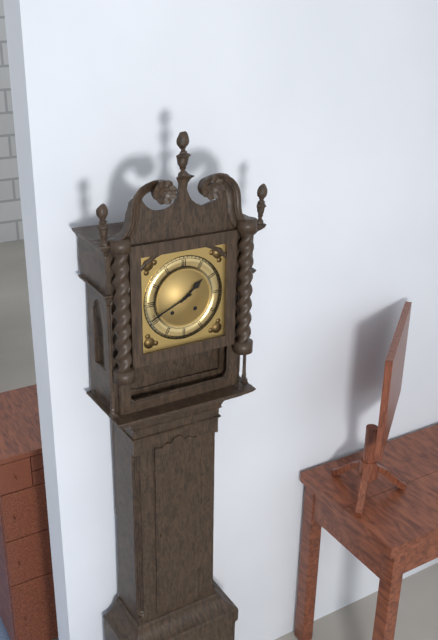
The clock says 1:41
